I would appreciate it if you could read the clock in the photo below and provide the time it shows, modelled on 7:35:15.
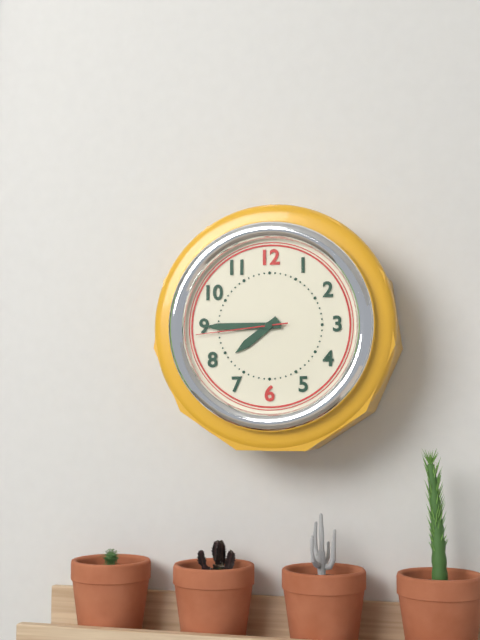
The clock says 7:45:44
